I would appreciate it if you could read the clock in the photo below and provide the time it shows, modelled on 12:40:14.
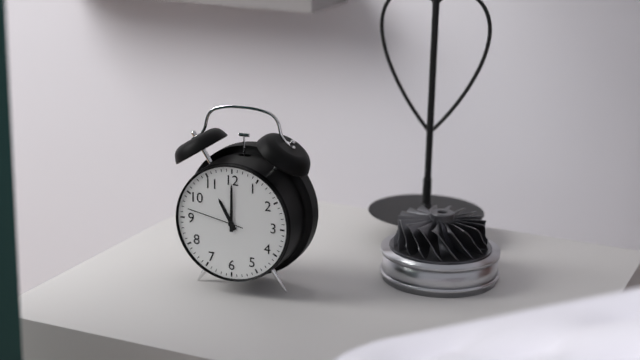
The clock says 11:00:47
